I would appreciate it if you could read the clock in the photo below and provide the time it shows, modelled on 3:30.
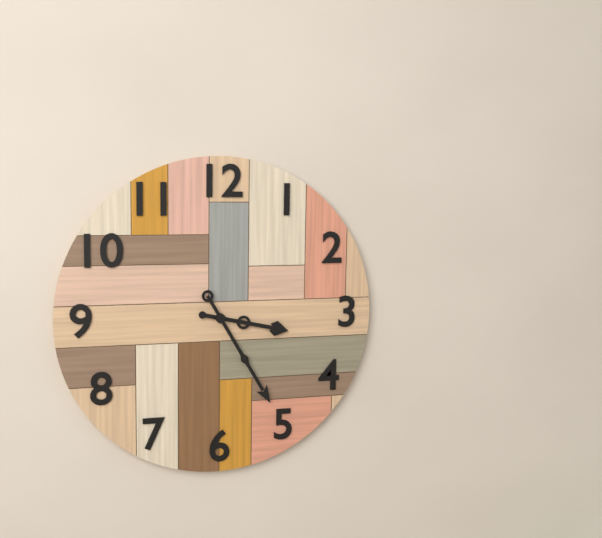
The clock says 3:25
